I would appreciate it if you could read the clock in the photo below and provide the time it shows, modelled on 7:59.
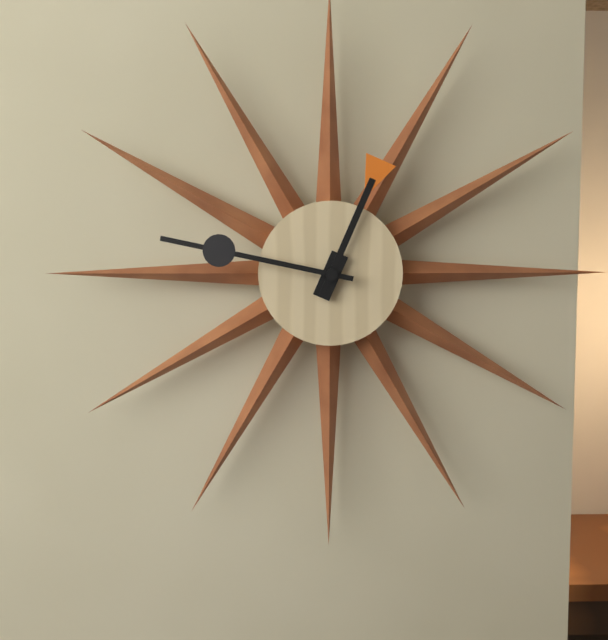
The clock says 12:47
